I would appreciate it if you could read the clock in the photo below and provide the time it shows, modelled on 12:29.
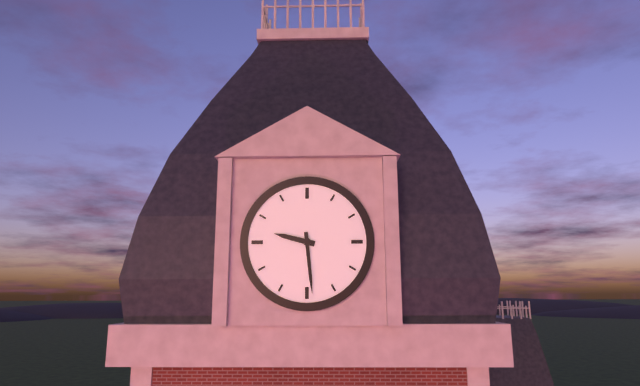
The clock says 9:29
